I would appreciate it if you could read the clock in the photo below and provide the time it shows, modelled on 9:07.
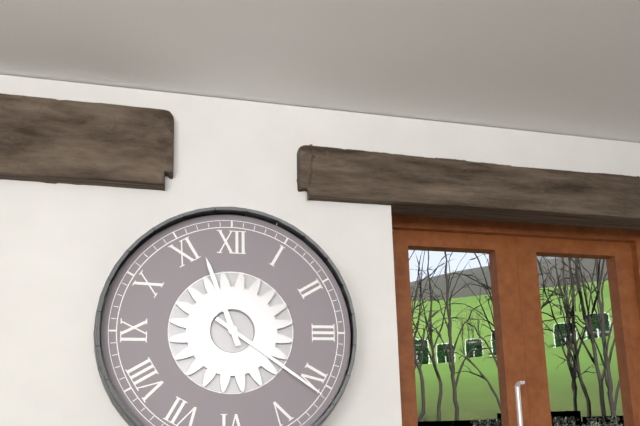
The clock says 11:21
